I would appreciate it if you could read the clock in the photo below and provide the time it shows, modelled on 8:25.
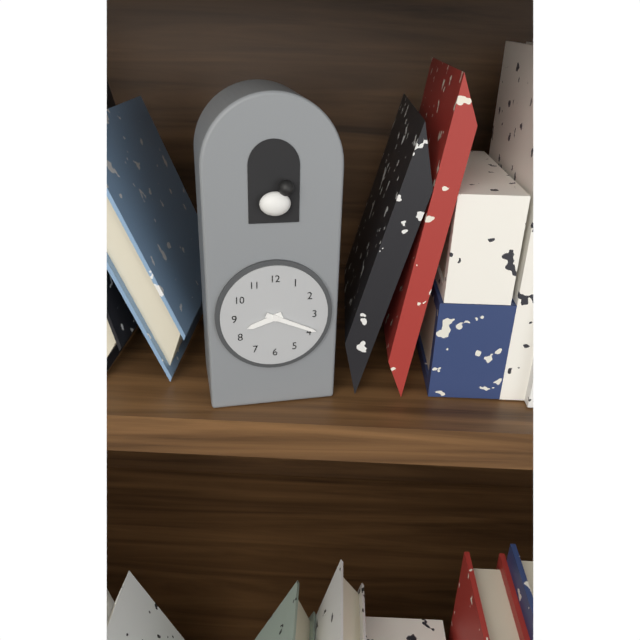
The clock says 8:19
